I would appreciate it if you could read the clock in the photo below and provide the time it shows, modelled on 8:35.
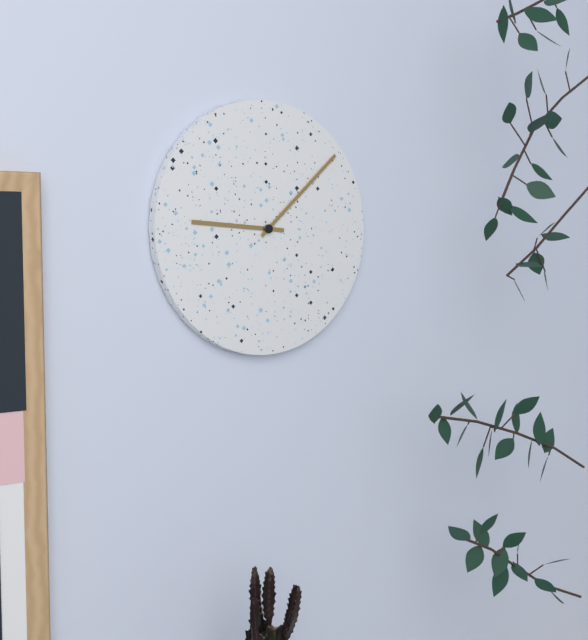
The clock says 9:08
